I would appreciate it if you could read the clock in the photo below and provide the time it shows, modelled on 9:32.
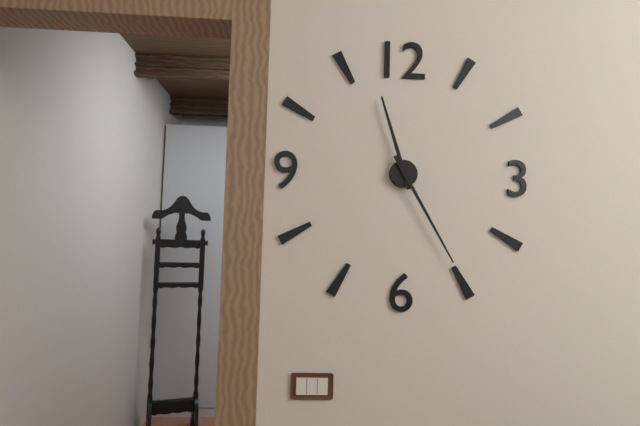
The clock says 11:25
